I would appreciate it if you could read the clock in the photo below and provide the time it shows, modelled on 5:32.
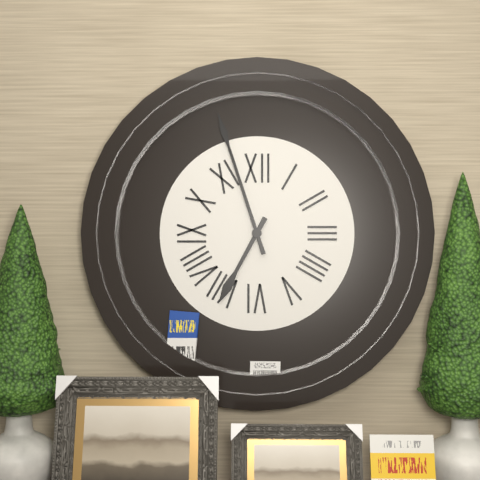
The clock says 6:57
